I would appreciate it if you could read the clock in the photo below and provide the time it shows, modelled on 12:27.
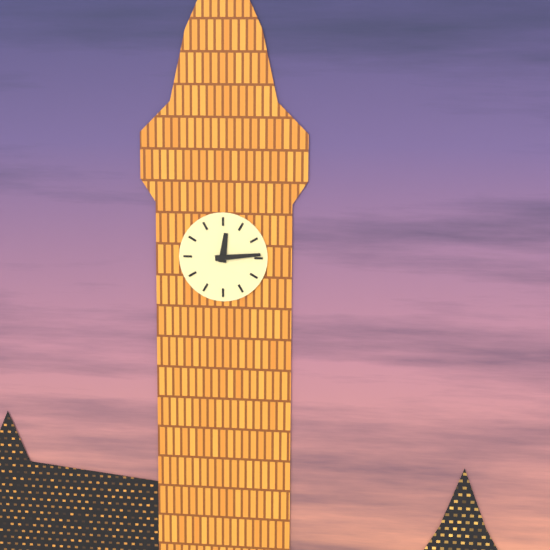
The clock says 12:14
